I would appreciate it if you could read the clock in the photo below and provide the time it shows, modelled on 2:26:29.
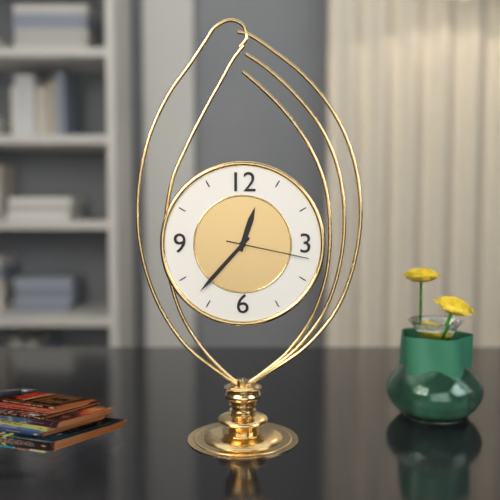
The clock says 12:37:17
